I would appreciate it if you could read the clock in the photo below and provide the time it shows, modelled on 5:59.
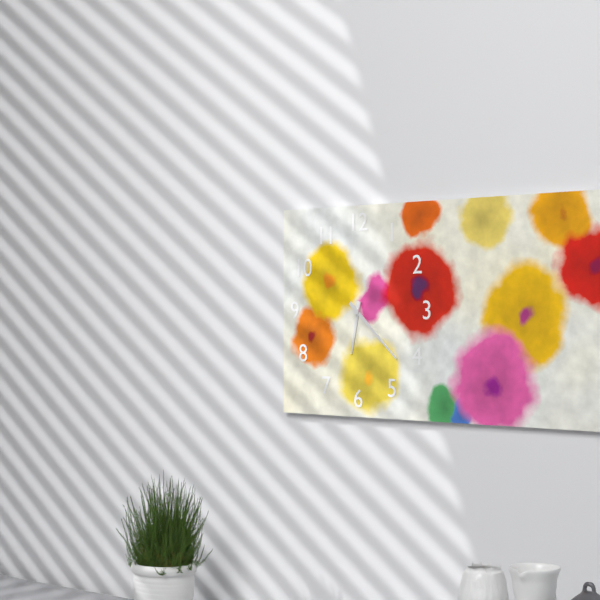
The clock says 6:22
